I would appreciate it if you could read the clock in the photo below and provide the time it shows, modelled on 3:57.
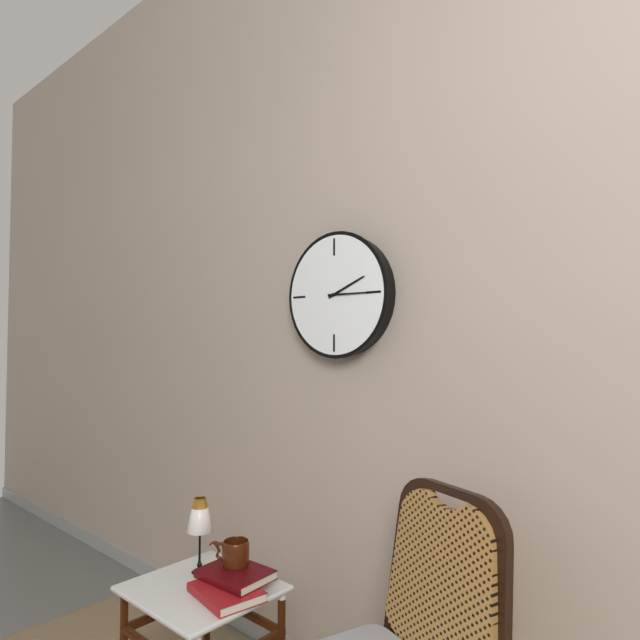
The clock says 2:15
